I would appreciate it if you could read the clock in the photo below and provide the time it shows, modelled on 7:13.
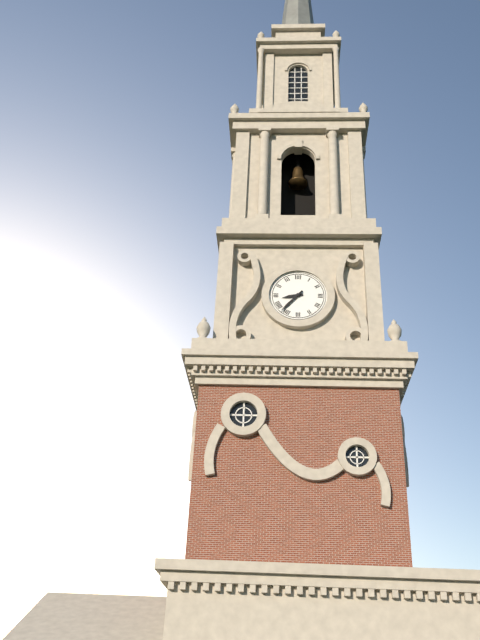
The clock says 8:37
